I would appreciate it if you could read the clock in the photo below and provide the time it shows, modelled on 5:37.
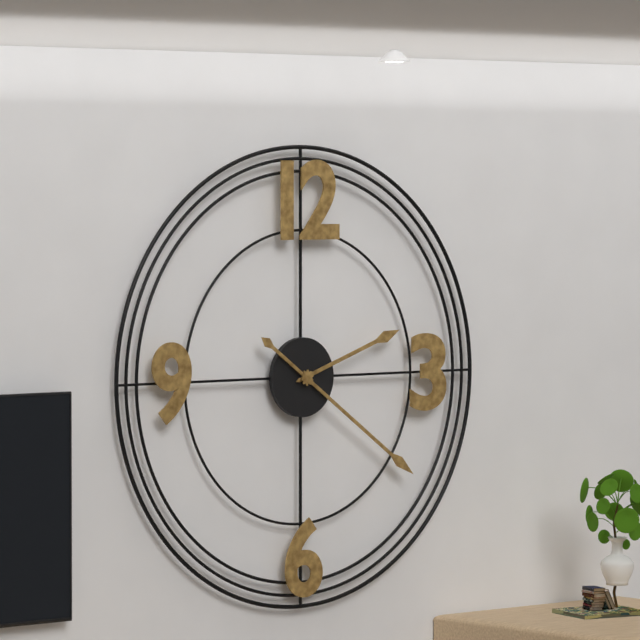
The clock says 2:21
